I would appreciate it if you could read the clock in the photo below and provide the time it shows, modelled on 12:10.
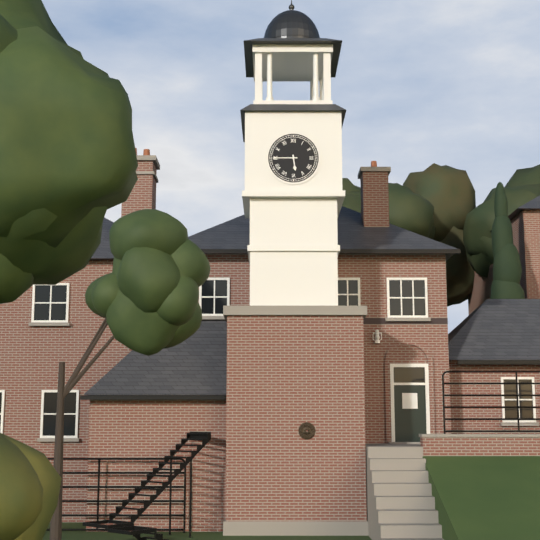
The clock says 5:45
